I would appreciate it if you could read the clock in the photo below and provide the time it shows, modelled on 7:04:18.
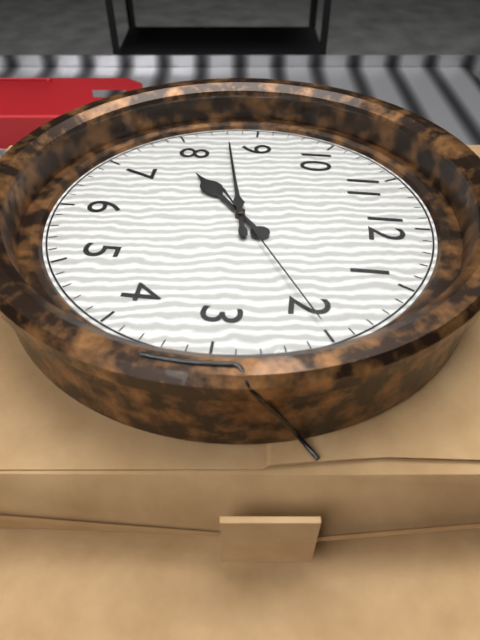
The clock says 7:43:10
